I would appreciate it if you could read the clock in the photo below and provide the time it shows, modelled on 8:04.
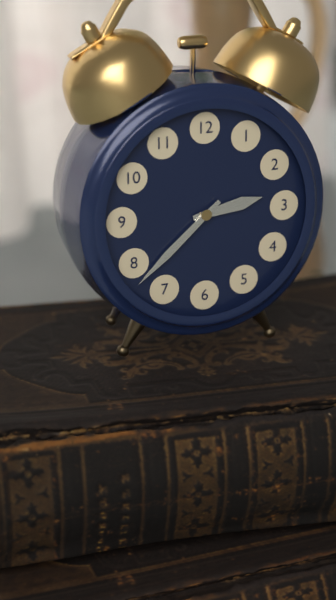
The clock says 2:38
